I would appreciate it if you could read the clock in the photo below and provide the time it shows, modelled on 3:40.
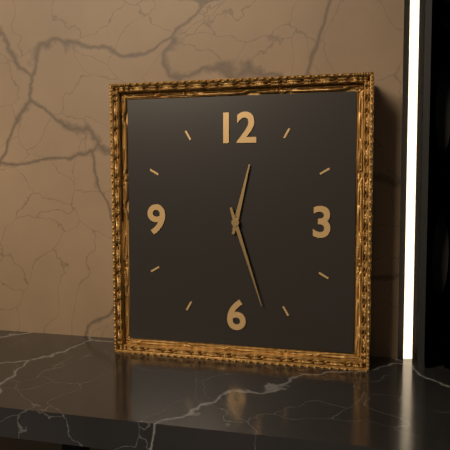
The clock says 12:27
